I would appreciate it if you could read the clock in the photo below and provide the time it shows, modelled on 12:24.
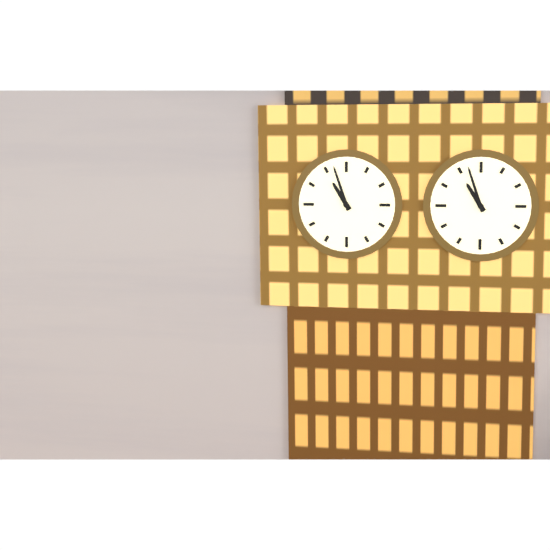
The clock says 10:57
